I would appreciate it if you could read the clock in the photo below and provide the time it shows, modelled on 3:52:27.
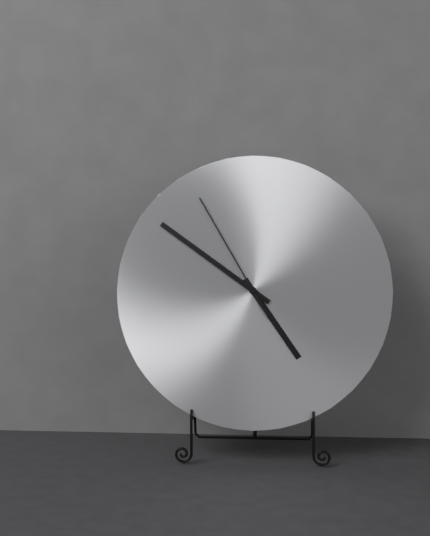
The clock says 4:51:55
